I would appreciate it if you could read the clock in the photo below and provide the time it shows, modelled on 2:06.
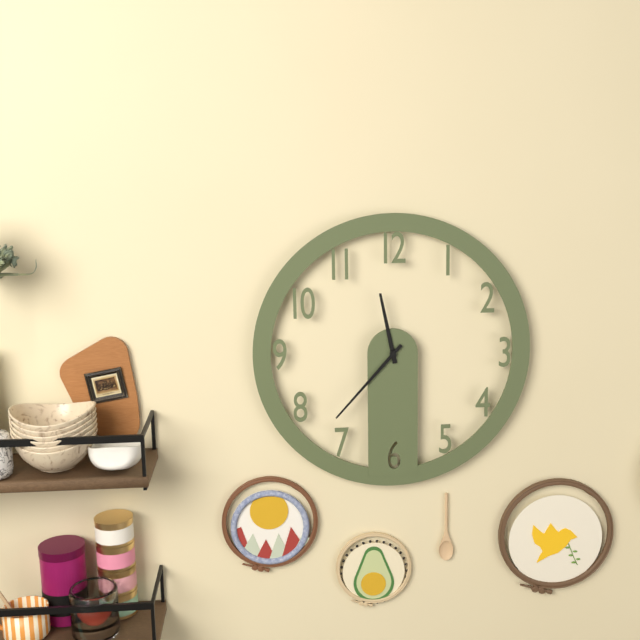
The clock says 11:37
